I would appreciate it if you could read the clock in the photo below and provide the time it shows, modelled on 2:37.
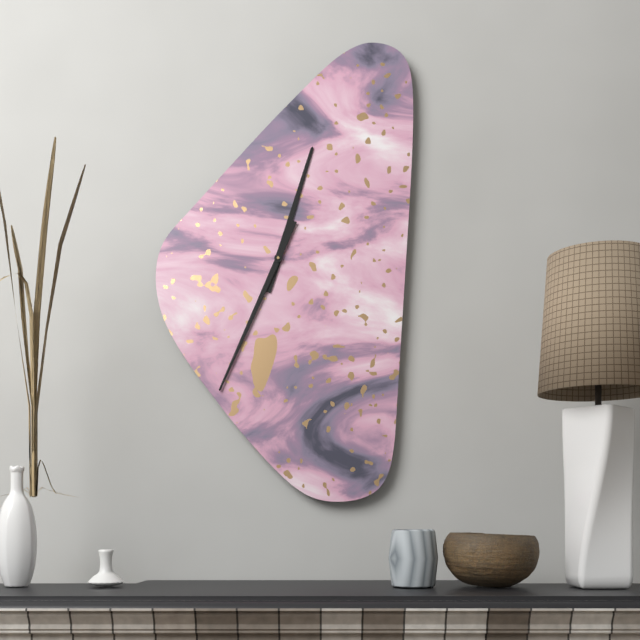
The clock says 12:34
